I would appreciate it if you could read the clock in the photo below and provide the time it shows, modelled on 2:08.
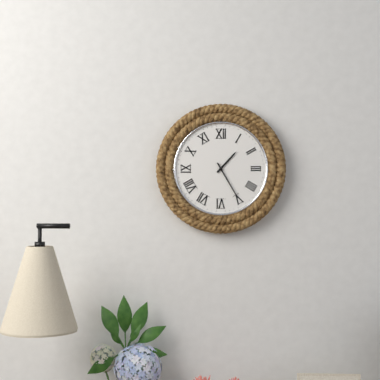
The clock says 1:25
